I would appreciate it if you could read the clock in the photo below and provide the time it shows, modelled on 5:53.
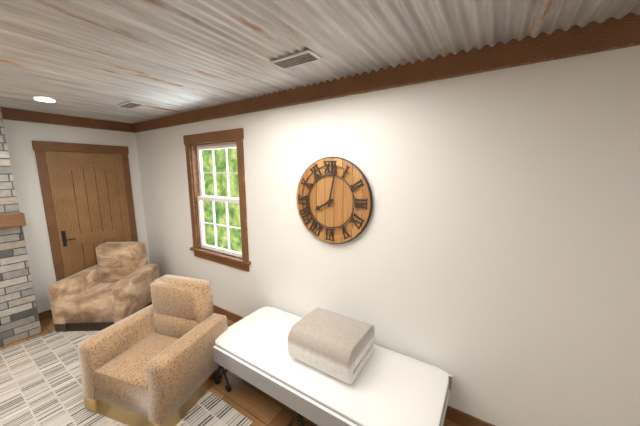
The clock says 8:02
